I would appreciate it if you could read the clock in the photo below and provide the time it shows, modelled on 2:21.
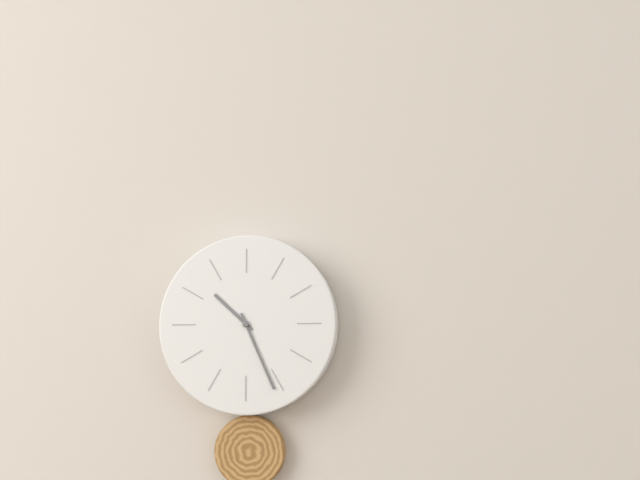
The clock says 10:26
